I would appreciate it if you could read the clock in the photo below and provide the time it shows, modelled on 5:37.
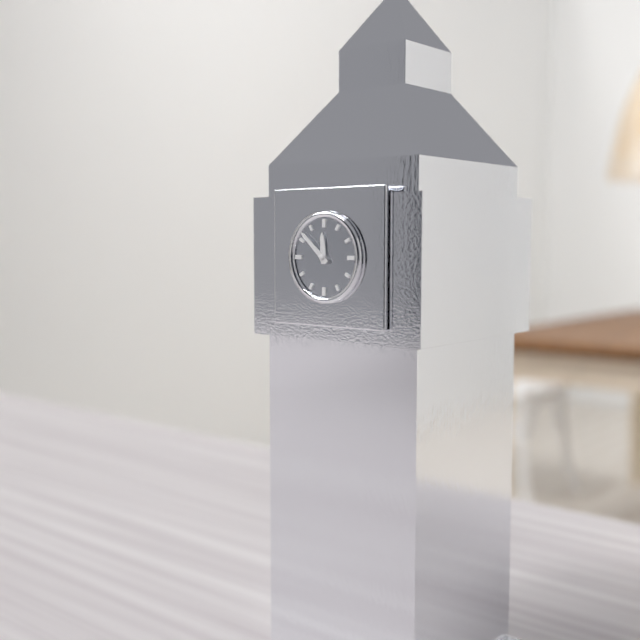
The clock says 11:52
